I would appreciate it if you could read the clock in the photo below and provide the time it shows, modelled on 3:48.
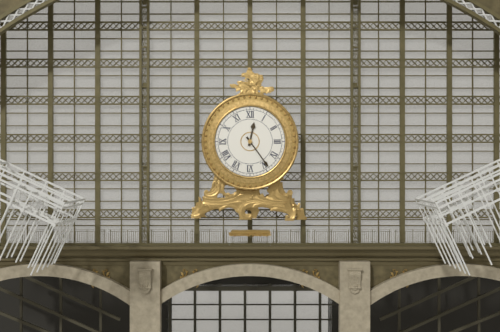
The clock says 12:24
